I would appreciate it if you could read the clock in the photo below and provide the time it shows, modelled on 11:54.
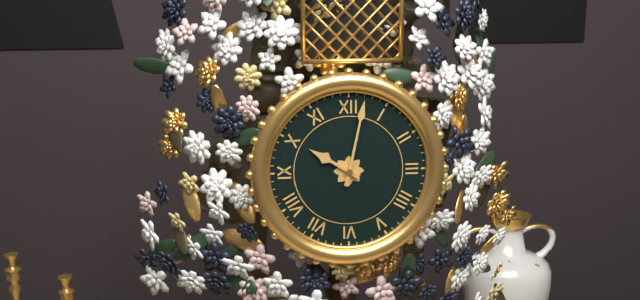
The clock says 10:02
